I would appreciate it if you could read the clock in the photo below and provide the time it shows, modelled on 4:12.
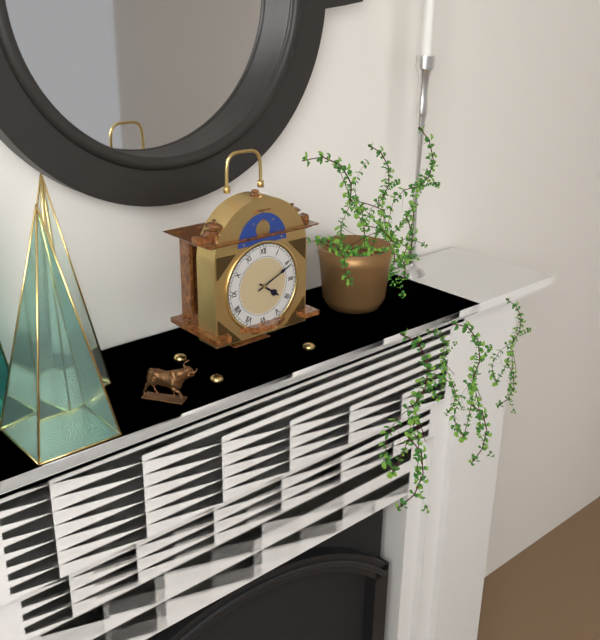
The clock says 4:11
